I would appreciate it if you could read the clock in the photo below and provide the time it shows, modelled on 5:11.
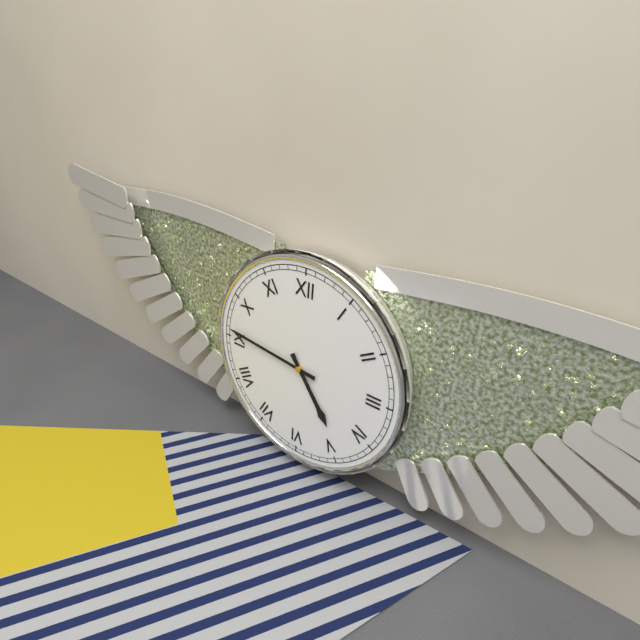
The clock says 4:46
